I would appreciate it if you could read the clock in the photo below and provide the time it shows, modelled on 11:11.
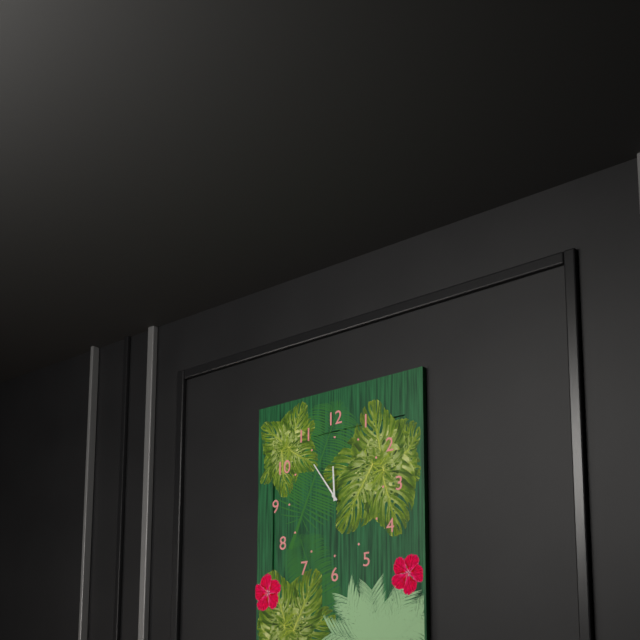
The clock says 11:54
